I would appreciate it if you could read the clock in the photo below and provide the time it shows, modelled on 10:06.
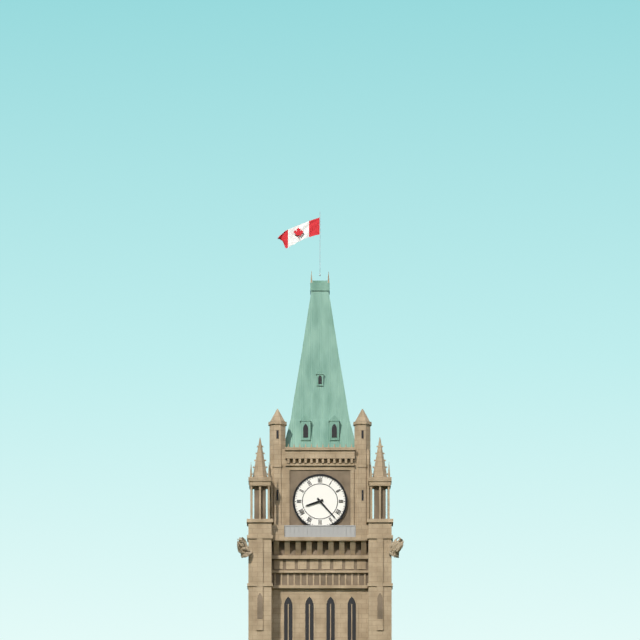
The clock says 8:23
